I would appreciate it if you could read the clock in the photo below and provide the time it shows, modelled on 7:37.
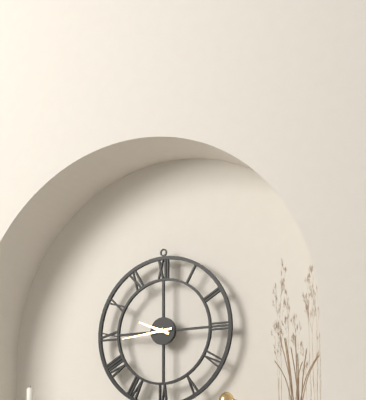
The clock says 9:44
